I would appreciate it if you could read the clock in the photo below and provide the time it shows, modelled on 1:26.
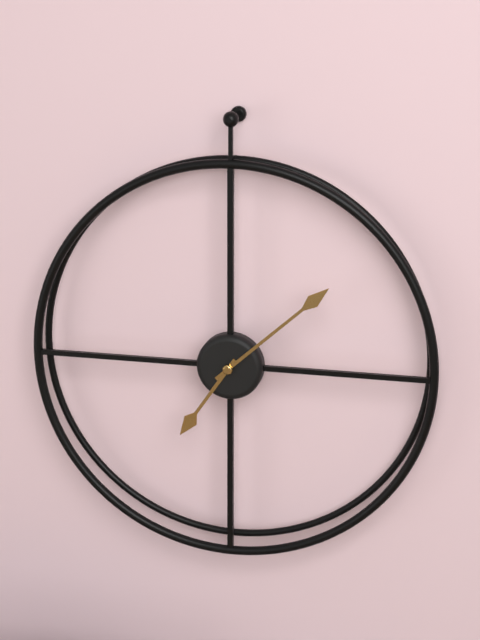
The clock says 7:08
